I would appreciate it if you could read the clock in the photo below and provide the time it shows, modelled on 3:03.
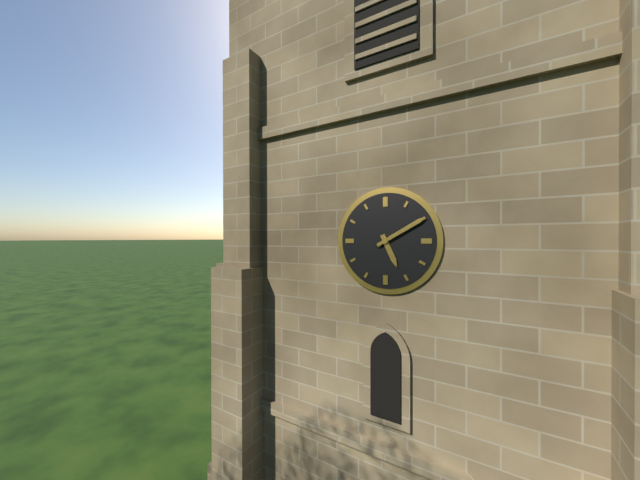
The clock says 5:10
